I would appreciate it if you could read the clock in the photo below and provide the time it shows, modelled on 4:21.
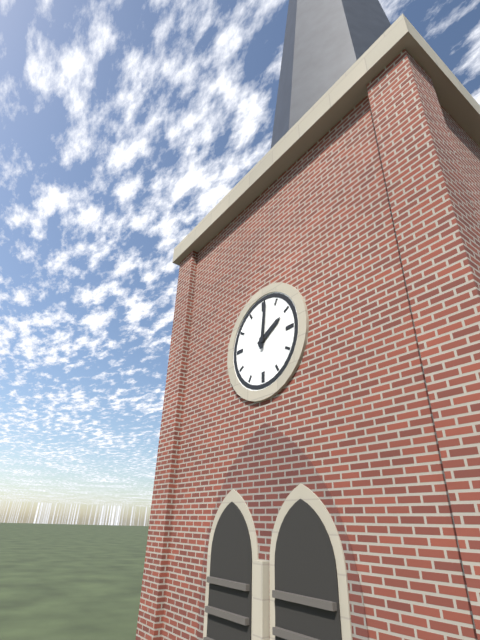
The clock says 2:01
